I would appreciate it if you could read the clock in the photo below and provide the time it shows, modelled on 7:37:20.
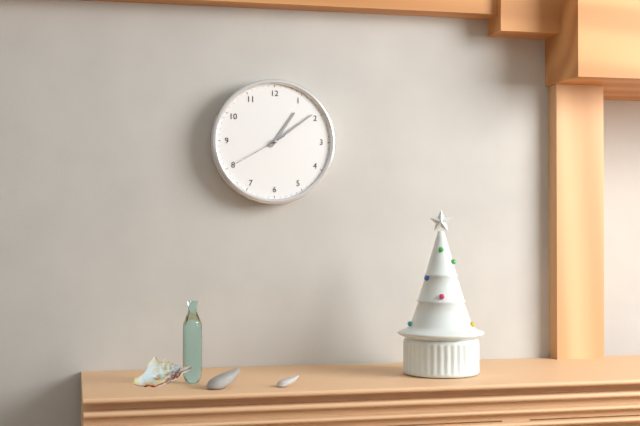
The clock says 1:09:40
